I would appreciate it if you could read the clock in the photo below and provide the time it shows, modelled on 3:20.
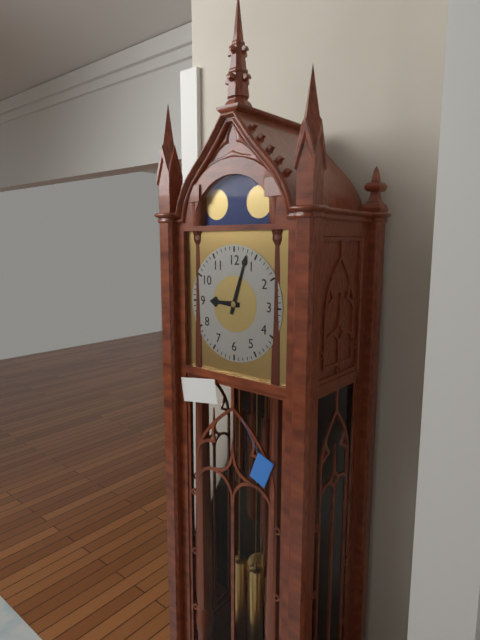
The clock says 9:03
